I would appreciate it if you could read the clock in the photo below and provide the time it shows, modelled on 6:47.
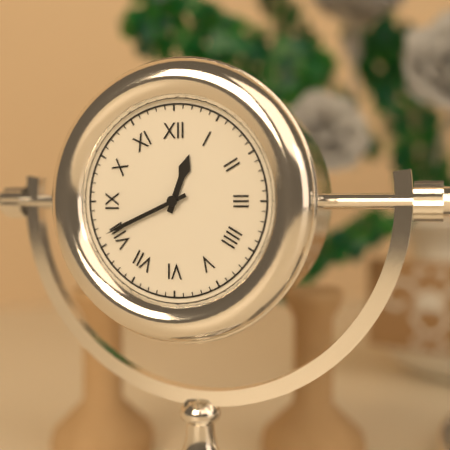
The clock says 12:41
